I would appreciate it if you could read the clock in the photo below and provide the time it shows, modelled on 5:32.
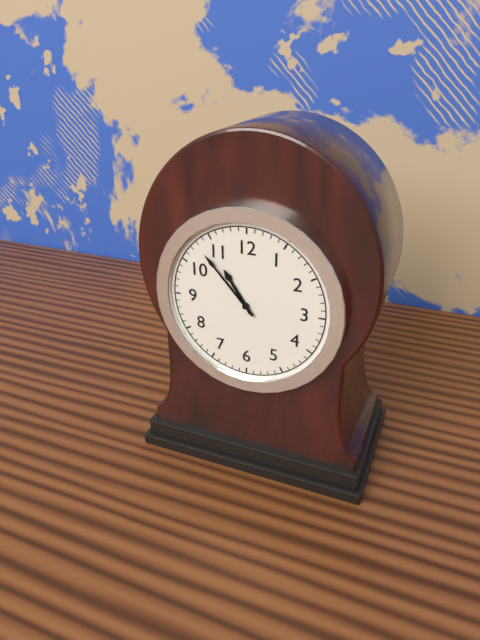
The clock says 10:53
